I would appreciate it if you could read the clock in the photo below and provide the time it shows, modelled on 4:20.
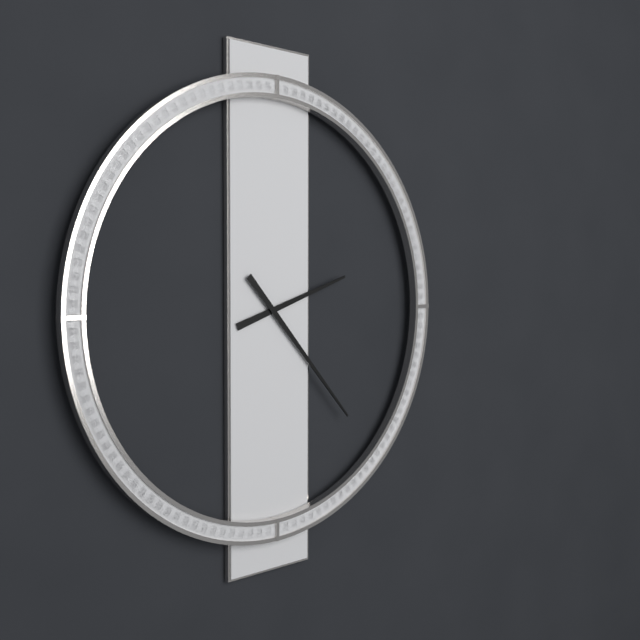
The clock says 2:23
